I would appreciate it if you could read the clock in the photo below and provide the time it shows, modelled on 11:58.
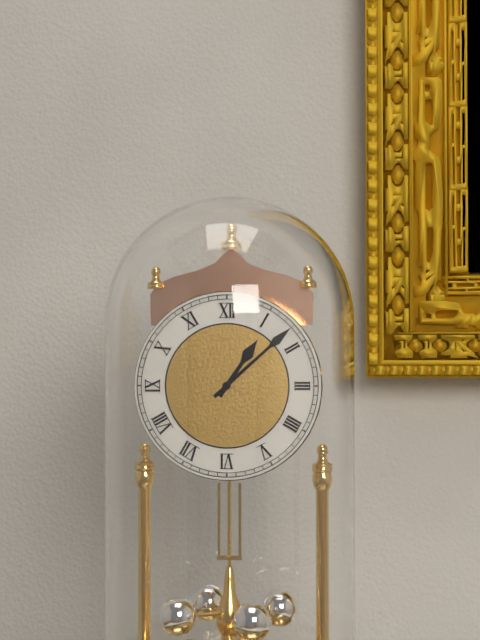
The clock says 1:08
